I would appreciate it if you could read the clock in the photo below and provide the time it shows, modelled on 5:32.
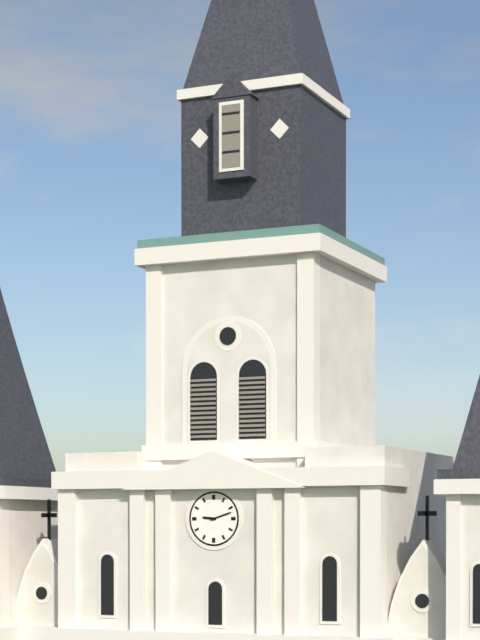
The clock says 9:12
